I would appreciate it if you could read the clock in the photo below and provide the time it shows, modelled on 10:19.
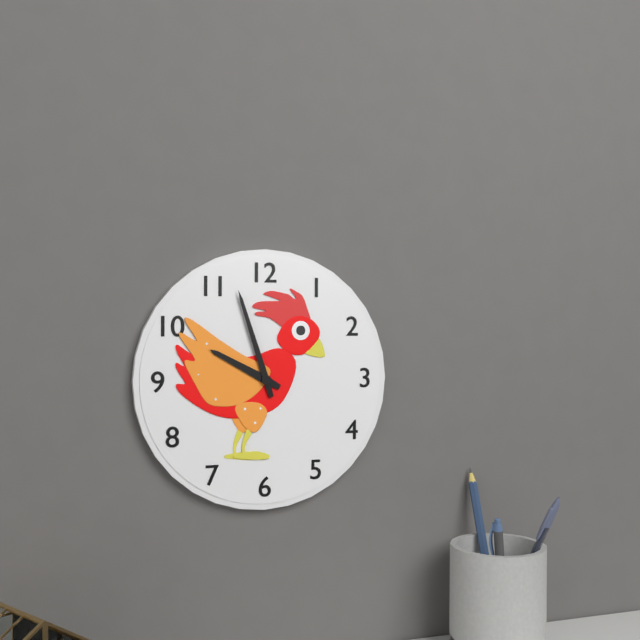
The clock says 9:57
